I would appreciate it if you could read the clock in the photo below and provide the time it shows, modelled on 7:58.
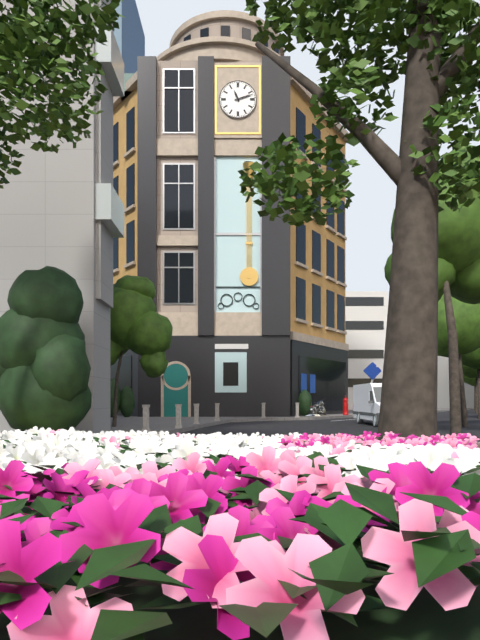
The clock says 11:12
